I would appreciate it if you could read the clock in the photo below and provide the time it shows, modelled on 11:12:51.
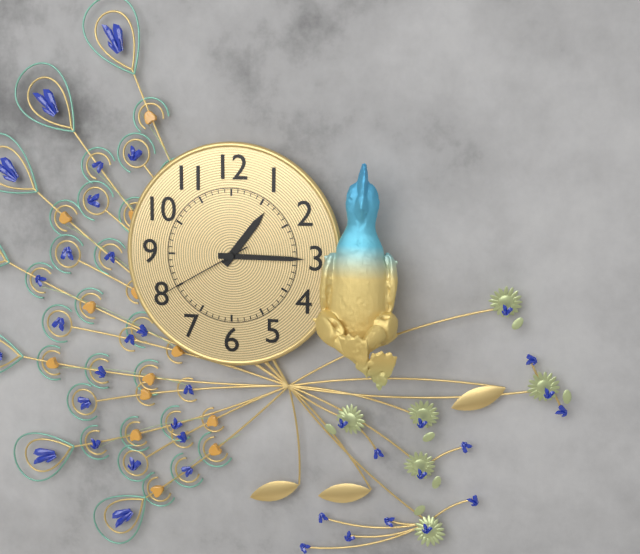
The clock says 1:15:40
